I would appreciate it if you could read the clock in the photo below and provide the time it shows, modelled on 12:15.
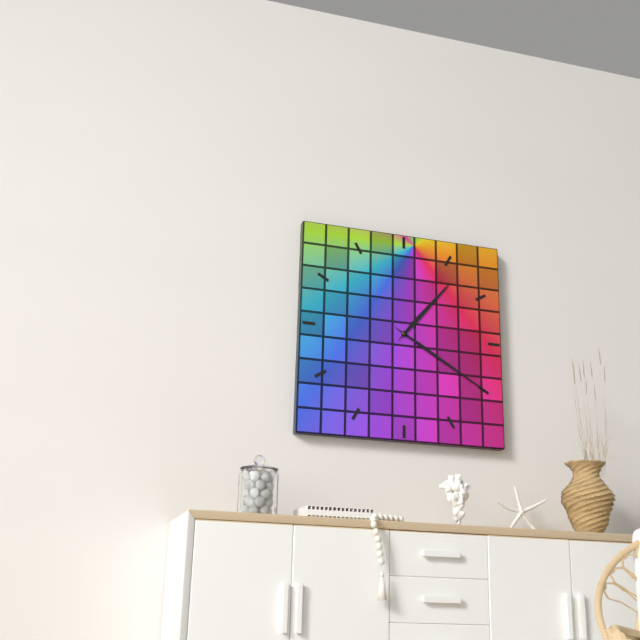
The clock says 1:20
